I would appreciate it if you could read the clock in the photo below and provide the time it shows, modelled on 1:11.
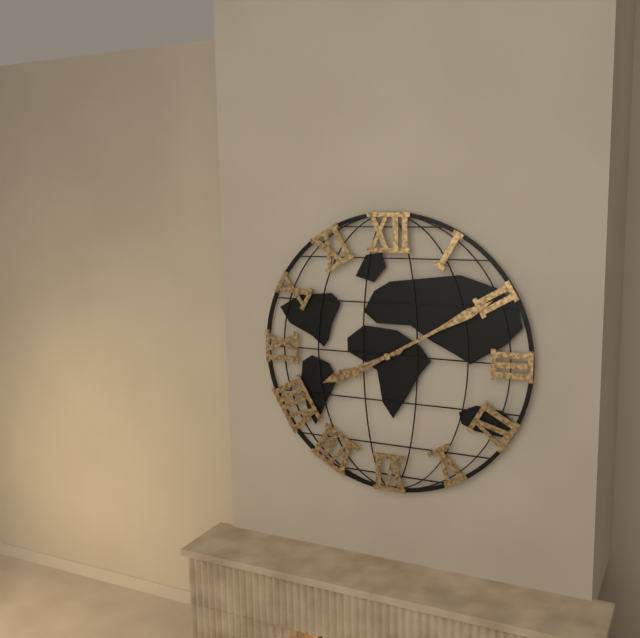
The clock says 8:10
